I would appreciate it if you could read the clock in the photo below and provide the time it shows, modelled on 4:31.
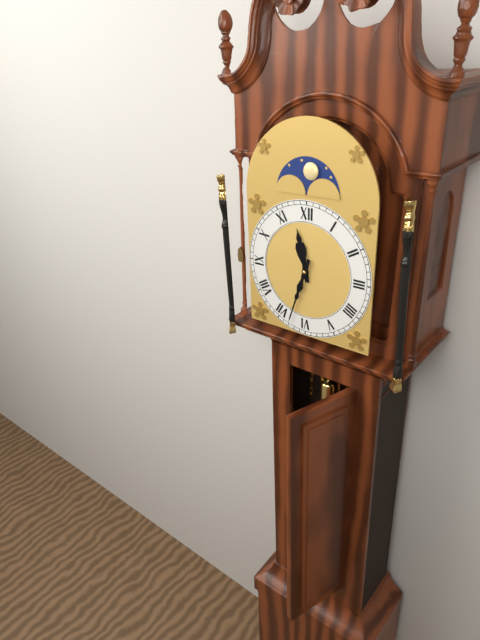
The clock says 11:33
